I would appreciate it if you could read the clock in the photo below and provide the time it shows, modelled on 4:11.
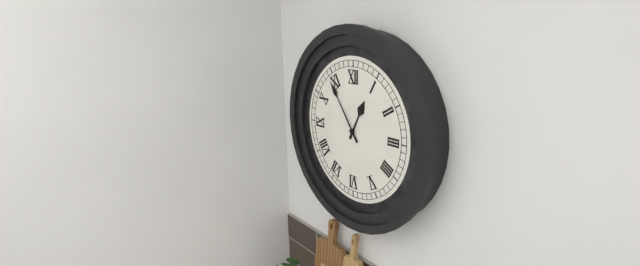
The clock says 12:54
